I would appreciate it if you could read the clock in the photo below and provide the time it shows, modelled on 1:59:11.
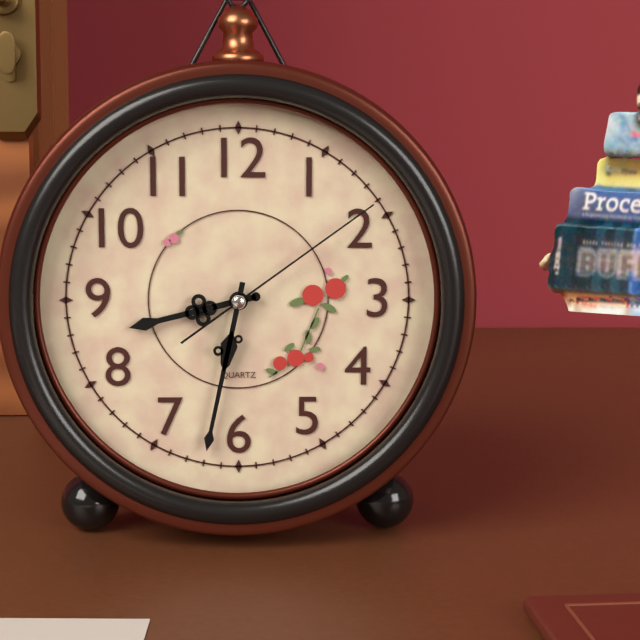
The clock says 8:32:09
